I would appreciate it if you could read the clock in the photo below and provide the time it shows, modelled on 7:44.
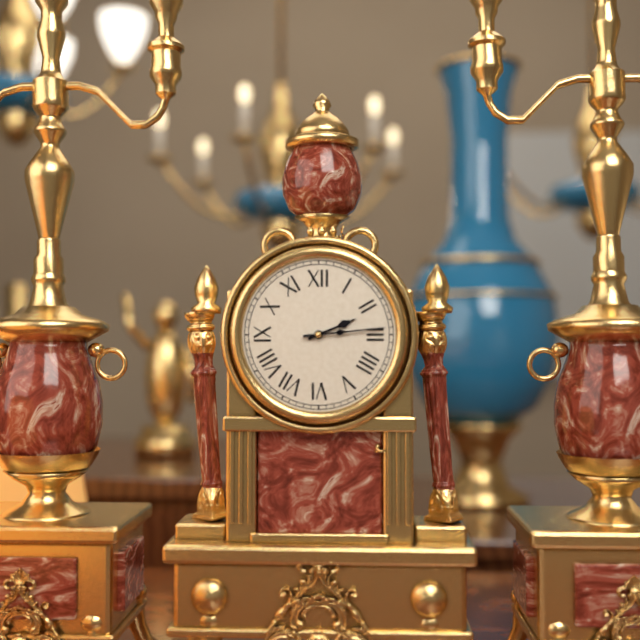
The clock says 2:14
